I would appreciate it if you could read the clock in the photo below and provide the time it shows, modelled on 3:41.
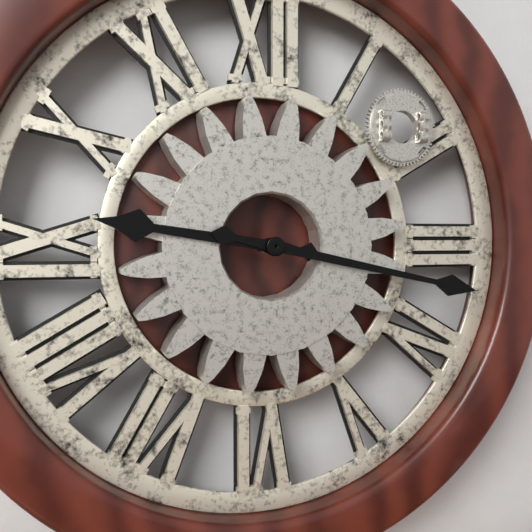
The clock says 9:17
